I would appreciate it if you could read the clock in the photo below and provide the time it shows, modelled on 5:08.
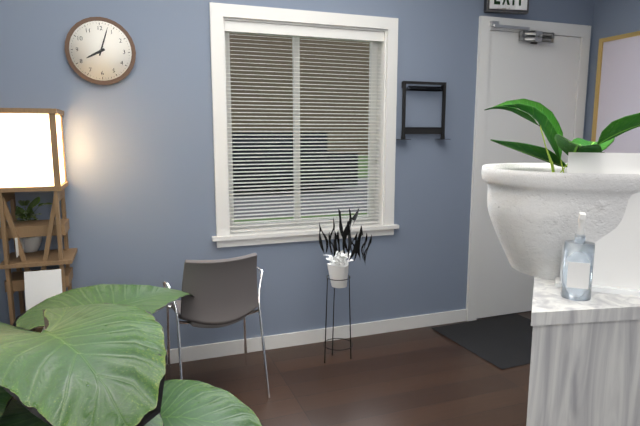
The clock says 8:03
